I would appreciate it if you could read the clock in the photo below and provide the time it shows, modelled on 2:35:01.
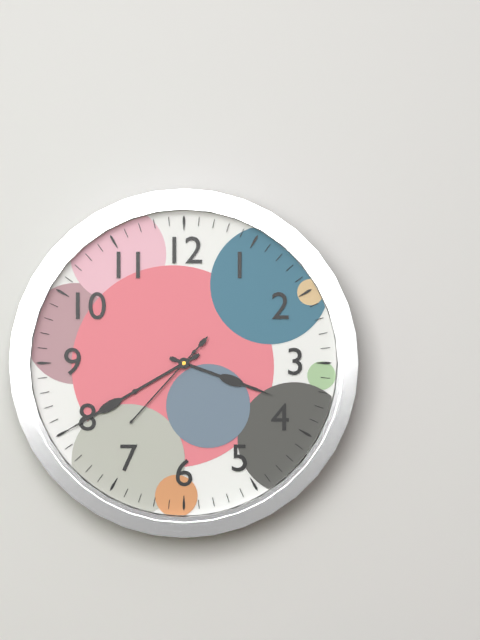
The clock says 3:40:37
